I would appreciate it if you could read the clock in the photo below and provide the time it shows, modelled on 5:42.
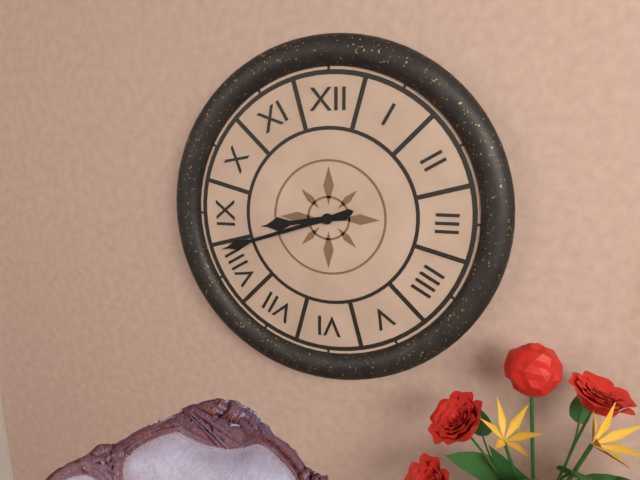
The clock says 8:42
